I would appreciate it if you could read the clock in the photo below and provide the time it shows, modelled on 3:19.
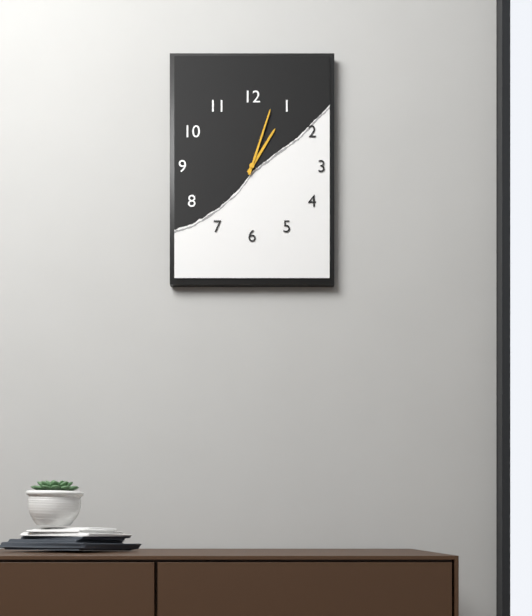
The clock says 1:03
